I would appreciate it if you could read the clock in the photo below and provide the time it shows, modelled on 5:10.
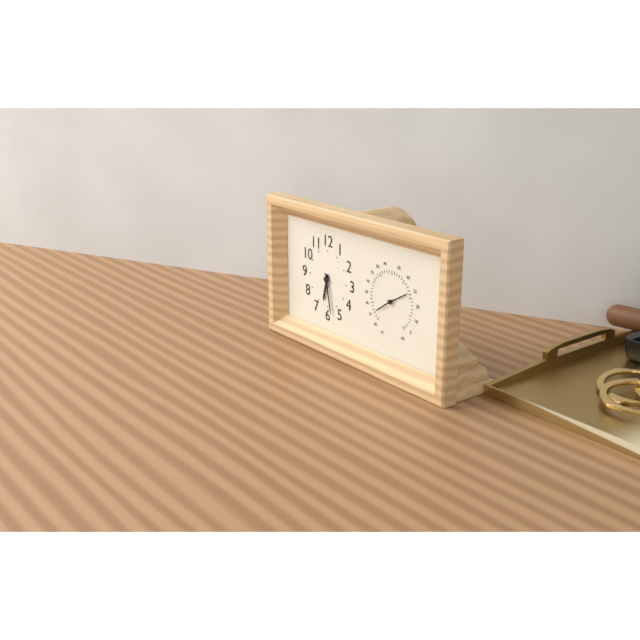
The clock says 6:28
